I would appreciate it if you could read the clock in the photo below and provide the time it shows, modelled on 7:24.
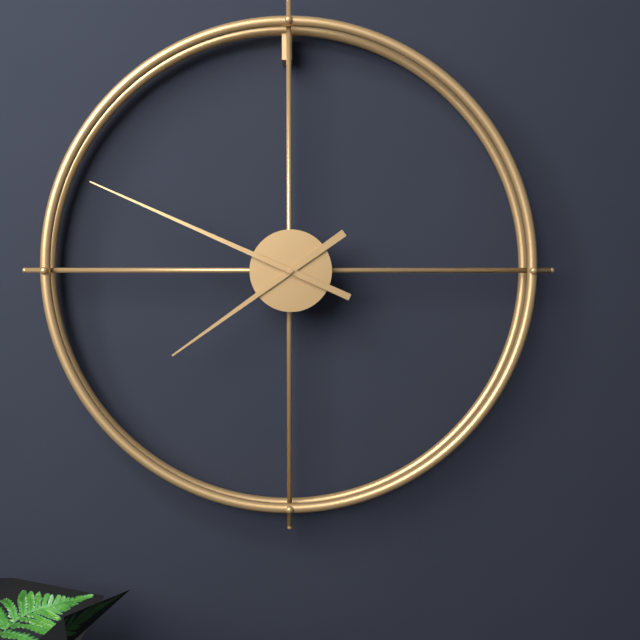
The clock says 7:49
